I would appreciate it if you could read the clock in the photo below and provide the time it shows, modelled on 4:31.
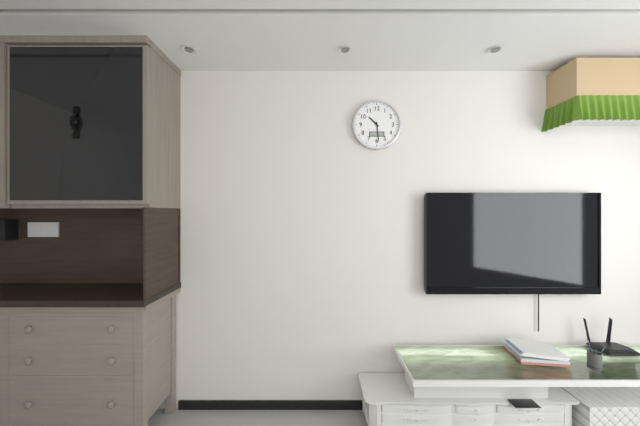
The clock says 10:29
